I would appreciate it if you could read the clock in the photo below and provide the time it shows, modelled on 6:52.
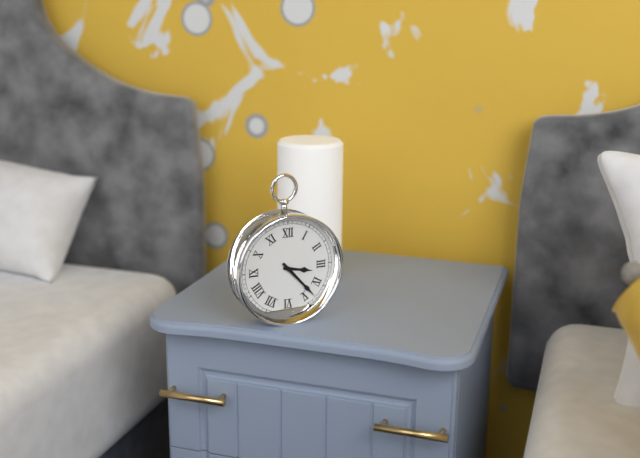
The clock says 3:23
